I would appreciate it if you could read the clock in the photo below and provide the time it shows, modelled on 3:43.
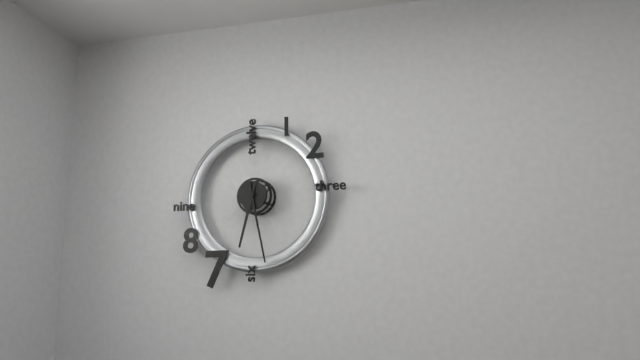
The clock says 6:28
